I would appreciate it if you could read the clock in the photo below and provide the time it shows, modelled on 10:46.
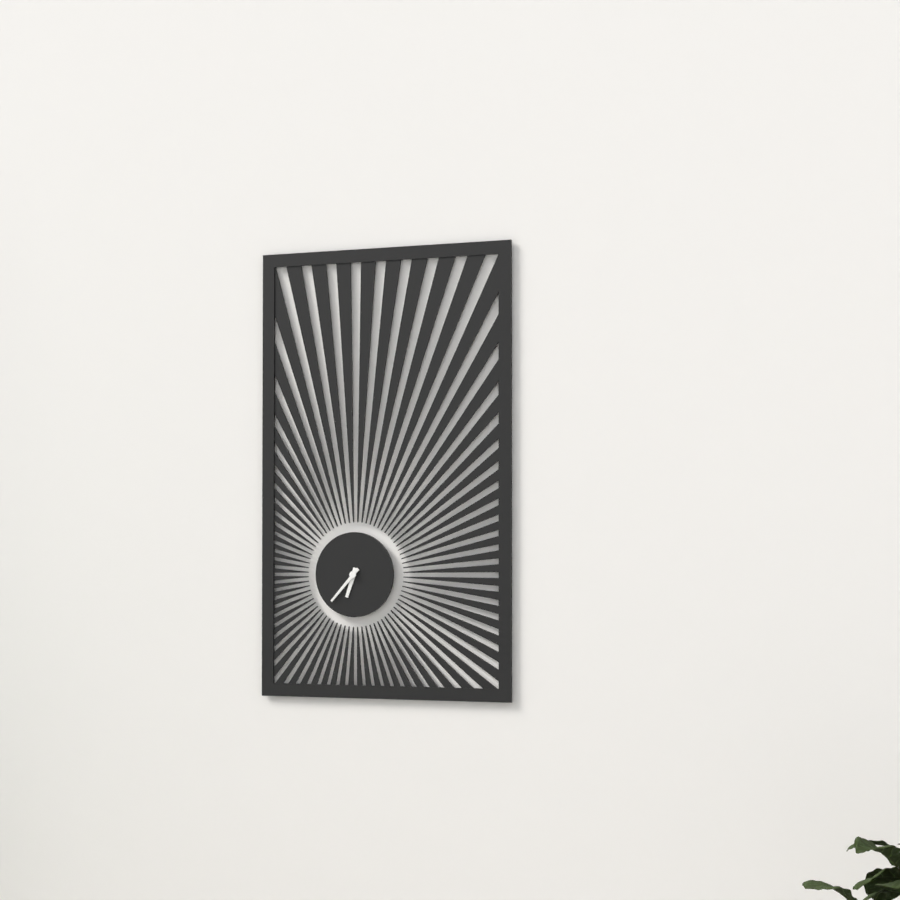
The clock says 6:37
